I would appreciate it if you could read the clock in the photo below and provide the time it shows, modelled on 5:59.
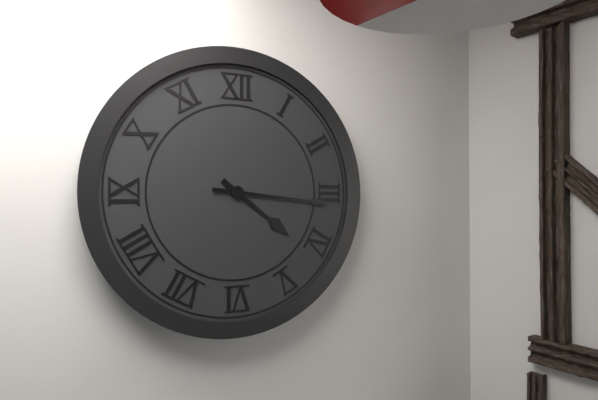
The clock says 4:16
